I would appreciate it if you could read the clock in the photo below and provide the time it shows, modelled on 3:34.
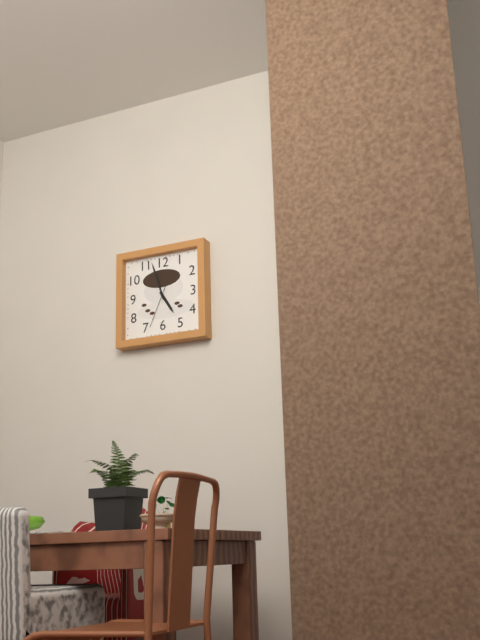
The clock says 4:57
